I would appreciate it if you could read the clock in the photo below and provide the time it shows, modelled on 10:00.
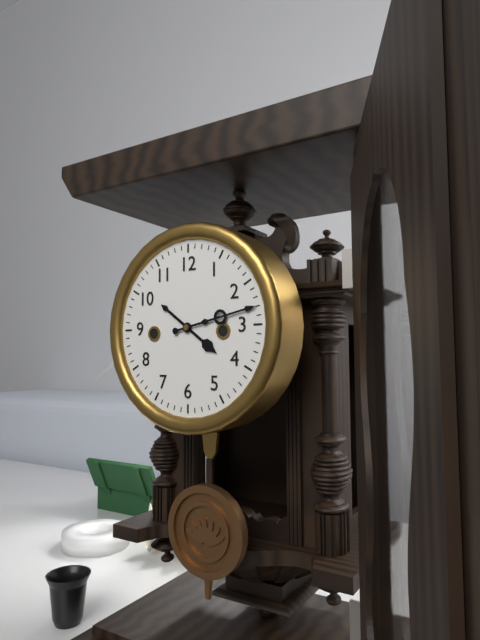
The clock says 4:13
